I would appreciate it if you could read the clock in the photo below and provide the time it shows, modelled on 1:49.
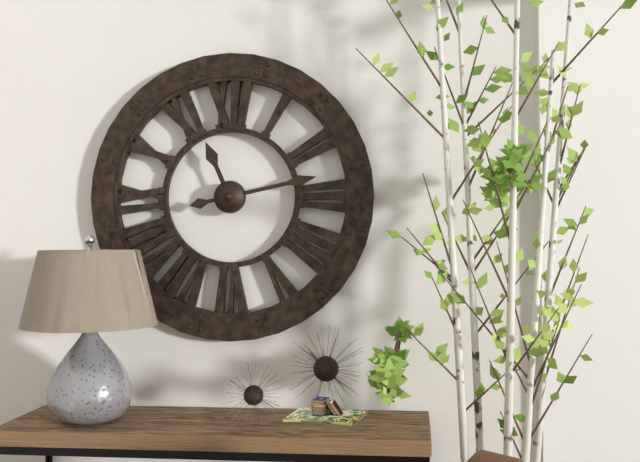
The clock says 11:13
